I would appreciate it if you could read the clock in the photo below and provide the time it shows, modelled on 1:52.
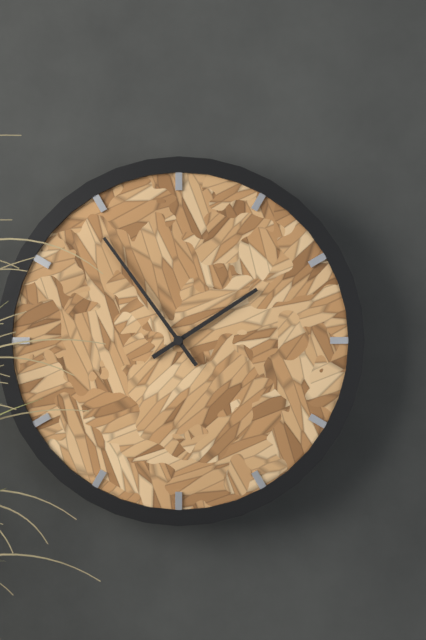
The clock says 1:54
